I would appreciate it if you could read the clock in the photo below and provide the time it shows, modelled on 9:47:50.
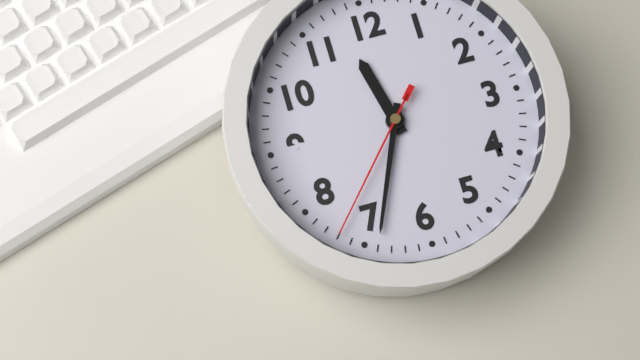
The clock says 11:34:37
